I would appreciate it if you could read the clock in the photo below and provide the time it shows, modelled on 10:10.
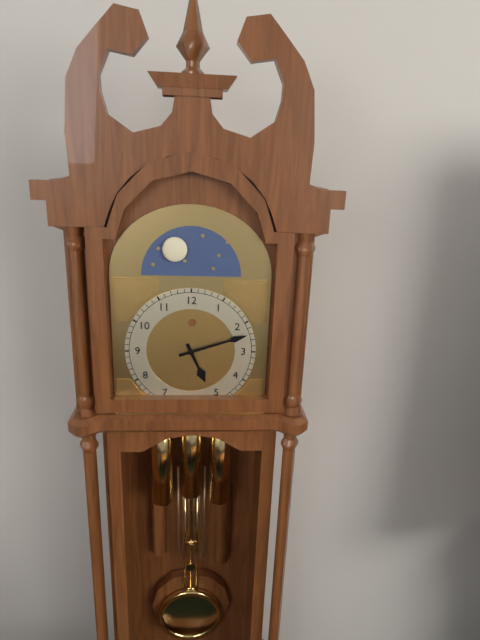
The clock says 5:12
